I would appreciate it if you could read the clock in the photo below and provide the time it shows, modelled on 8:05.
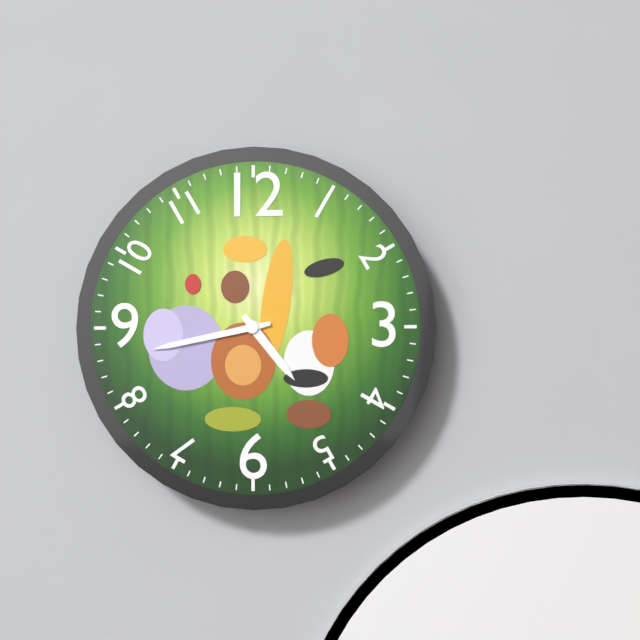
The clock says 4:43
